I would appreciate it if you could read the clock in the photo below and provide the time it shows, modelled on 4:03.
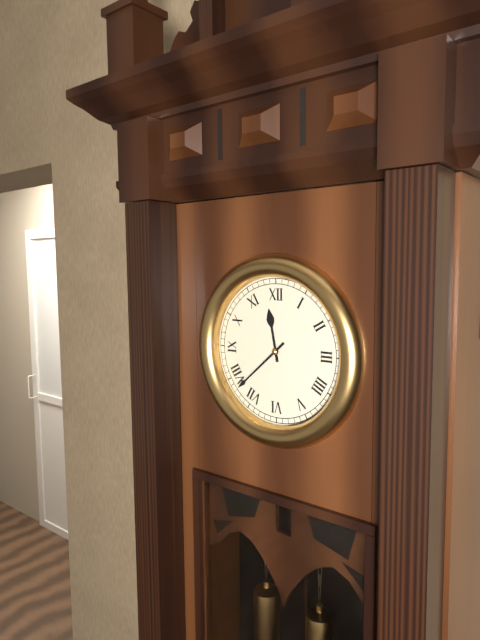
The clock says 11:38
